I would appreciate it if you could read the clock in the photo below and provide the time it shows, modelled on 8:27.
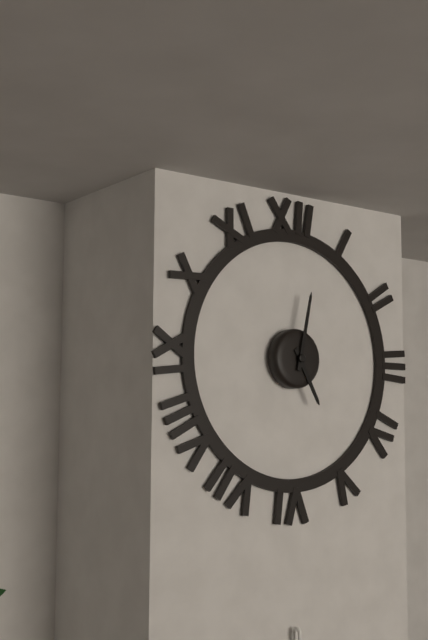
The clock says 5:02
